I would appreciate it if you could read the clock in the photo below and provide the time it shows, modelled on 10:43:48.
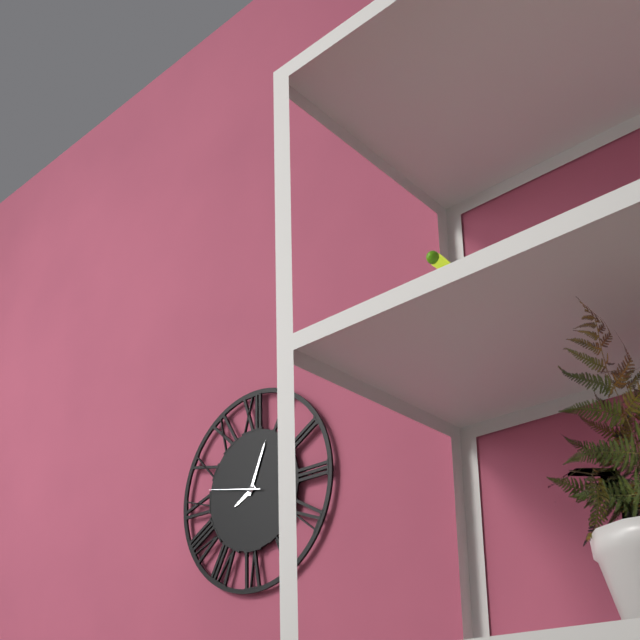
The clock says 8:04:47
